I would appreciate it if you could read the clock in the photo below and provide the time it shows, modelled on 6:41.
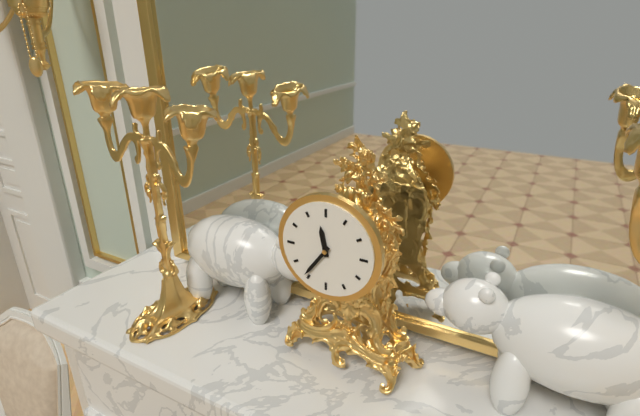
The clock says 11:36
